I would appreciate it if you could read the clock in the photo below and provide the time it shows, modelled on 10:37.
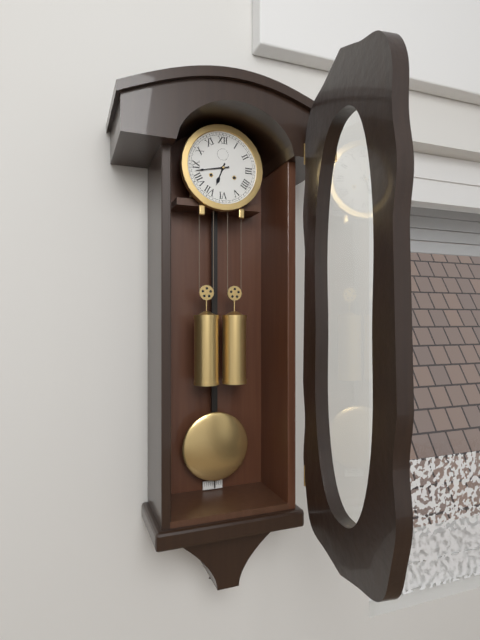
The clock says 6:43
